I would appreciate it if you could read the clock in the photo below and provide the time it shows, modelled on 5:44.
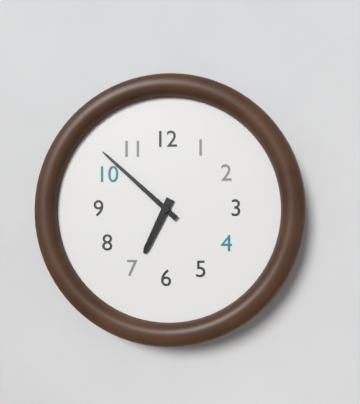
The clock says 6:52
